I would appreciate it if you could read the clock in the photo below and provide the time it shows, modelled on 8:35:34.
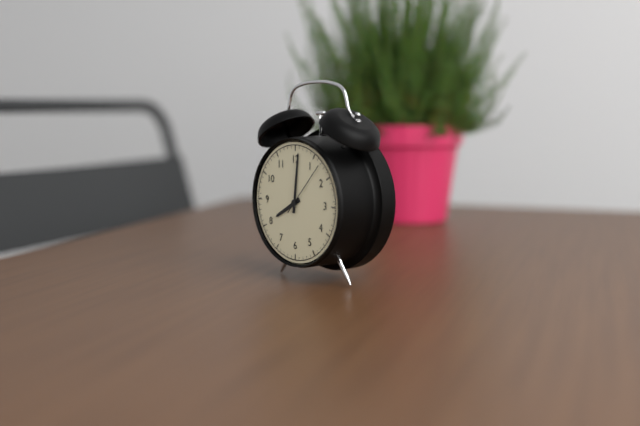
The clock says 8:01:07
